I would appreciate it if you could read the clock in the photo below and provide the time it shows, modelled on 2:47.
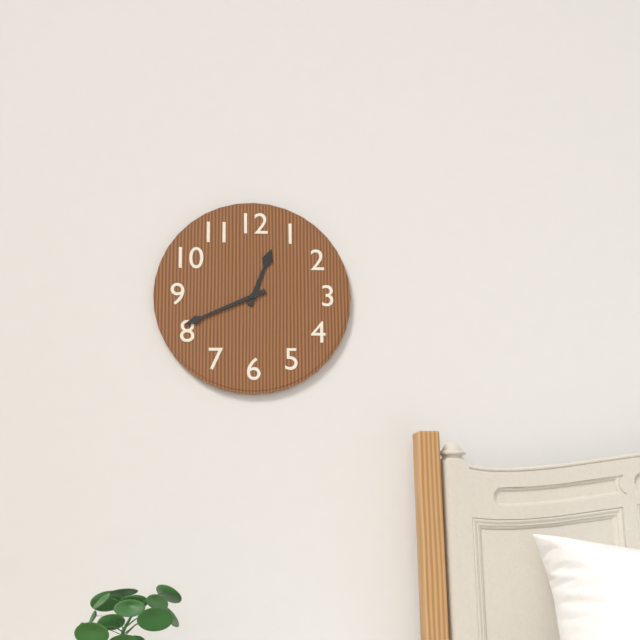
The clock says 12:41
